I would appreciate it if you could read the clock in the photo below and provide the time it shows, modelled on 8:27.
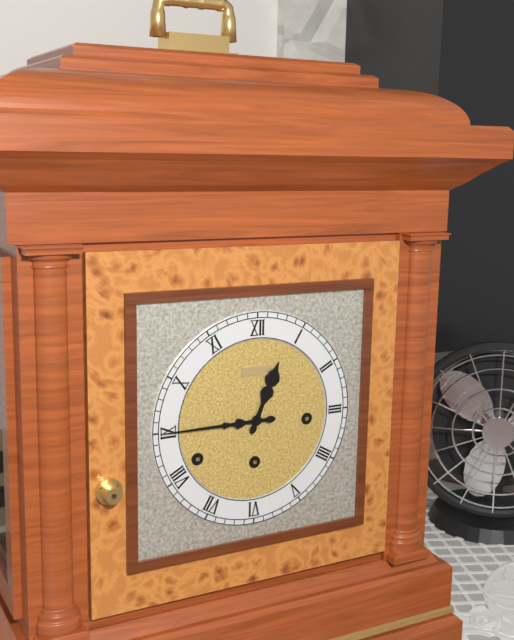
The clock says 12:45
